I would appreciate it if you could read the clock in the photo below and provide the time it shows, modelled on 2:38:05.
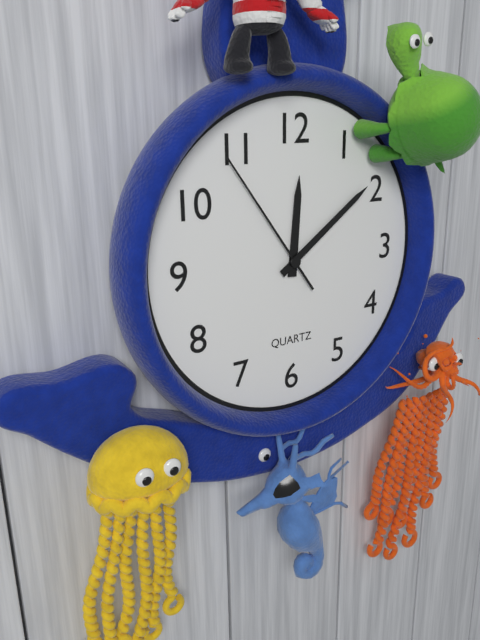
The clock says 12:09:54
